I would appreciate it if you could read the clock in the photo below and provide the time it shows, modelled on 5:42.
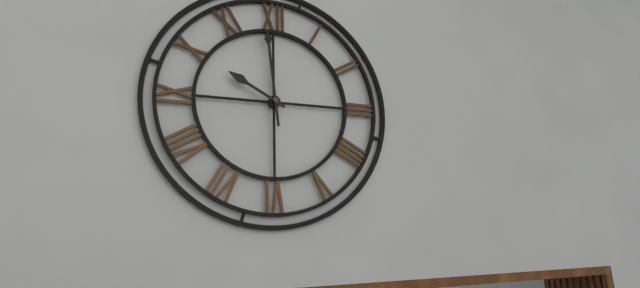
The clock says 9:59
